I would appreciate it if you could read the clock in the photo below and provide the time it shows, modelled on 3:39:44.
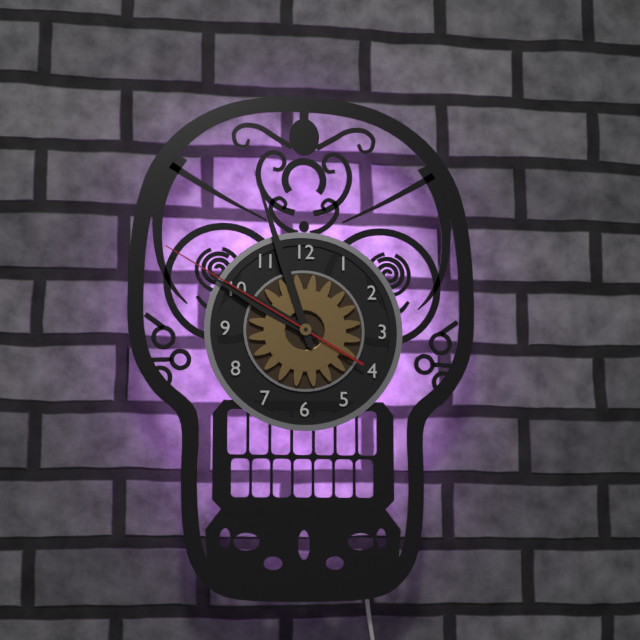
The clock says 9:57:50
